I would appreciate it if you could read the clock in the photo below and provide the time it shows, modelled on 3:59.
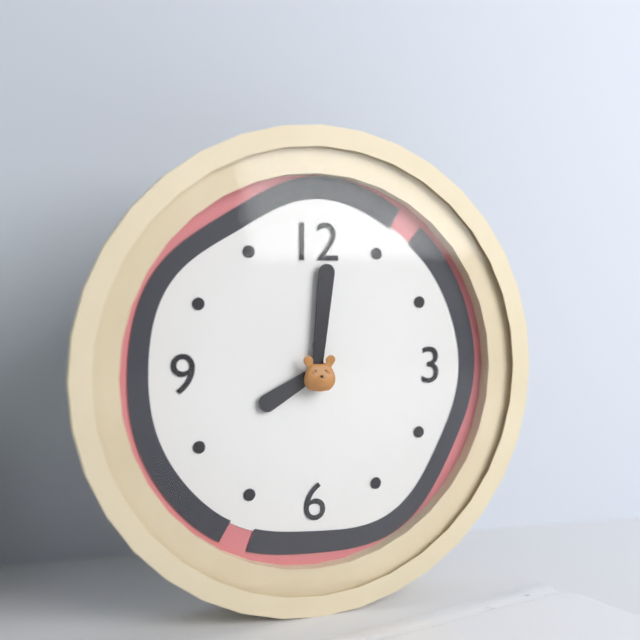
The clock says 8:01
